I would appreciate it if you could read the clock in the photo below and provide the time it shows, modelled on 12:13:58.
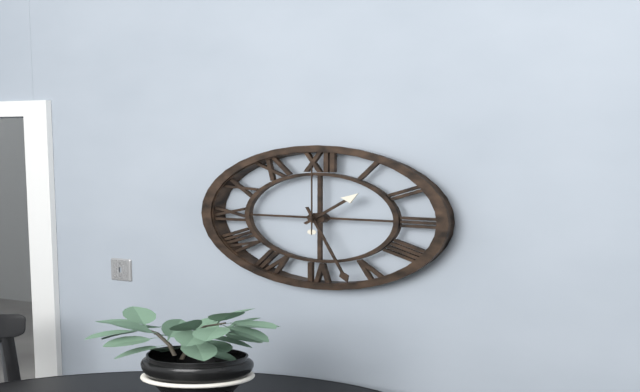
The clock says 1:27:00
